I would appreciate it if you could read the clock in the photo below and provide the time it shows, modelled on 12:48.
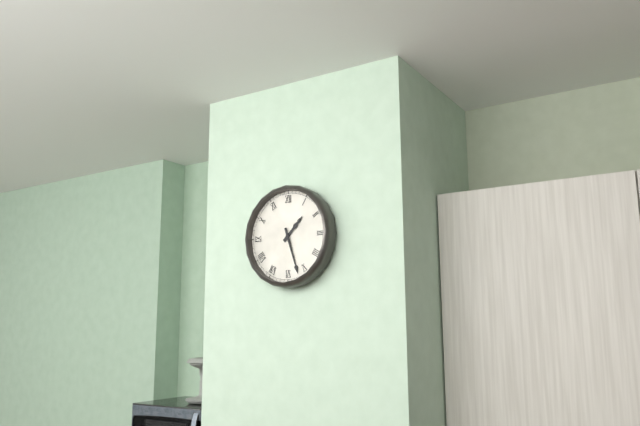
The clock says 1:27
